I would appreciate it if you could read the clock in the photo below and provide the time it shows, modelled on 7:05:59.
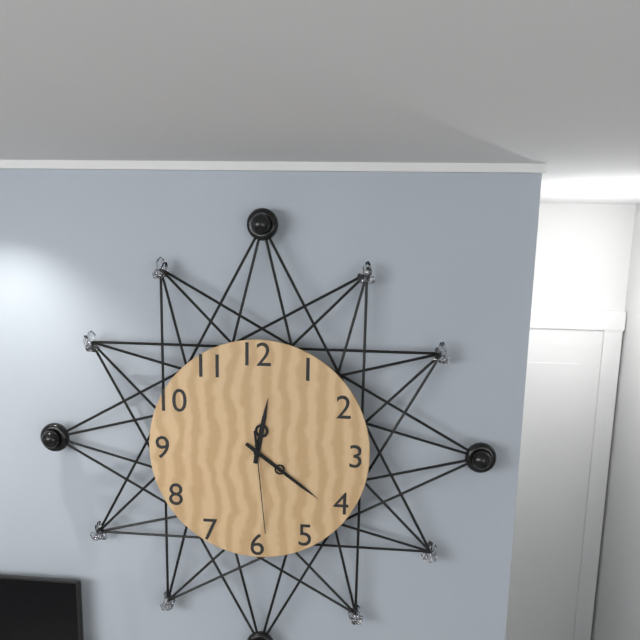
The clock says 12:21:29
